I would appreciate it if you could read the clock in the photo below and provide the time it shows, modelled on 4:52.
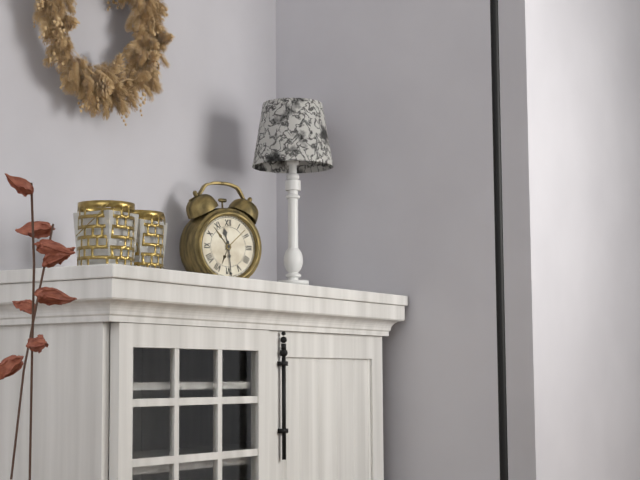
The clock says 11:29
